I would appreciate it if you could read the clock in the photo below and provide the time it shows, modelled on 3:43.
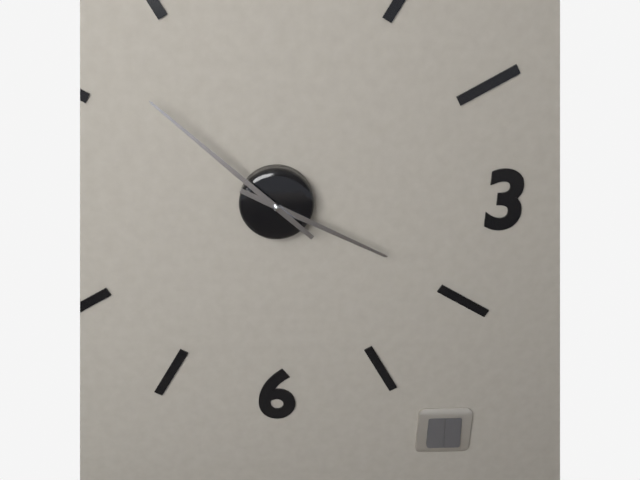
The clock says 3:52
